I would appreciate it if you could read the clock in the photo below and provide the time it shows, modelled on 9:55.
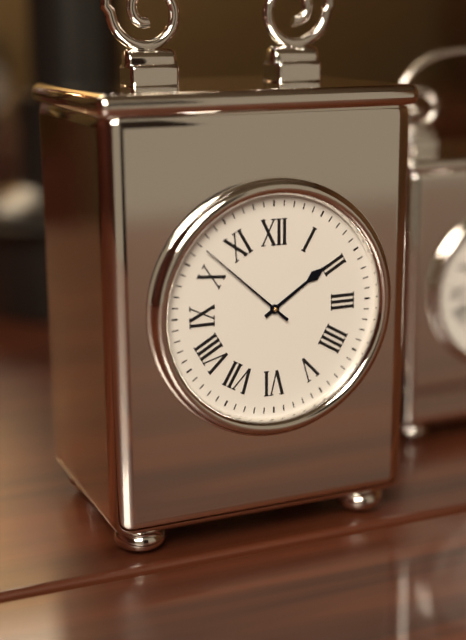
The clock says 1:52
